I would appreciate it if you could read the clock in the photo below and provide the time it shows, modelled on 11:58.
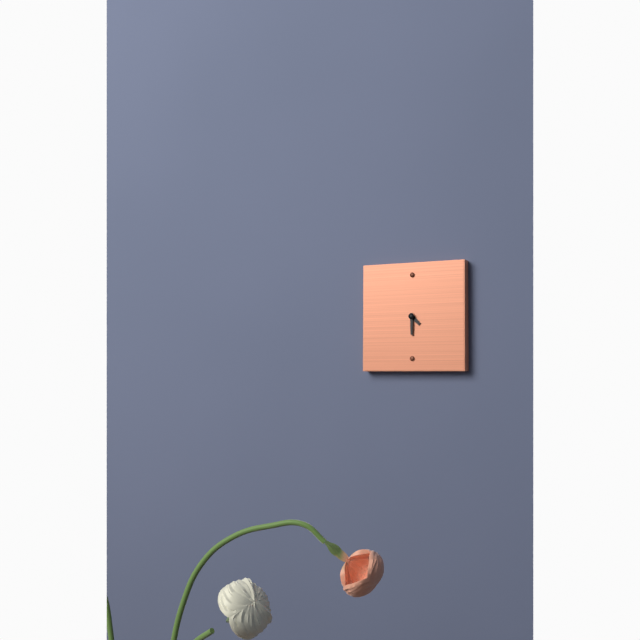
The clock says 4:30
